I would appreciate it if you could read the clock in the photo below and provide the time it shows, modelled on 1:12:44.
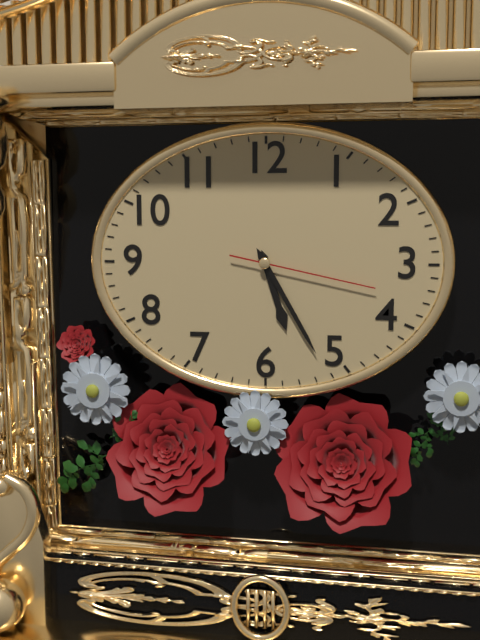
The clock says 5:25:17
